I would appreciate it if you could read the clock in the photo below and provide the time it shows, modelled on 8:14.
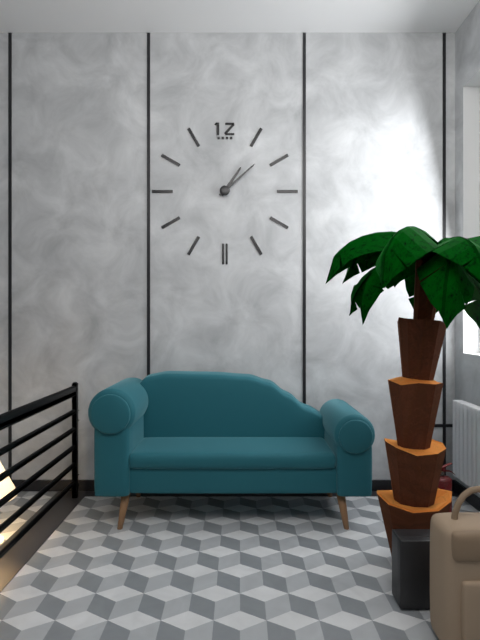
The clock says 1:08
